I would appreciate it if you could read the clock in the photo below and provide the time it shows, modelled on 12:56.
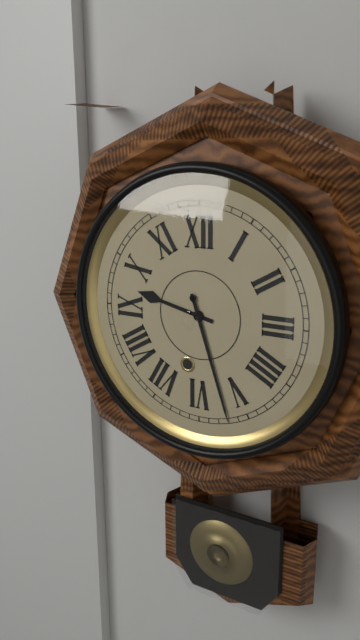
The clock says 9:27
